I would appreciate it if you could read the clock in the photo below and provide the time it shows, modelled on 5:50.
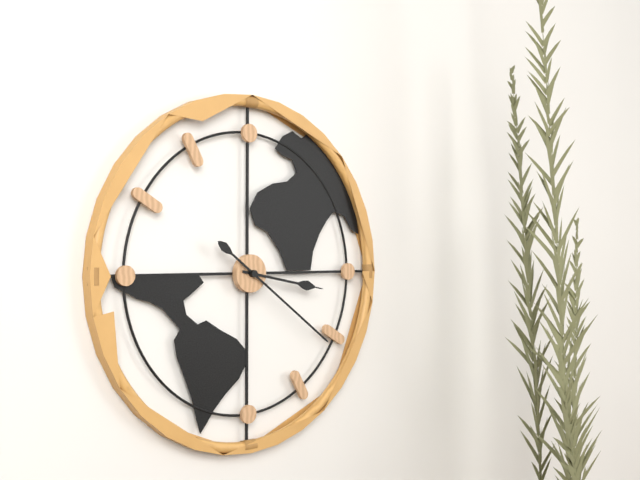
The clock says 3:21
